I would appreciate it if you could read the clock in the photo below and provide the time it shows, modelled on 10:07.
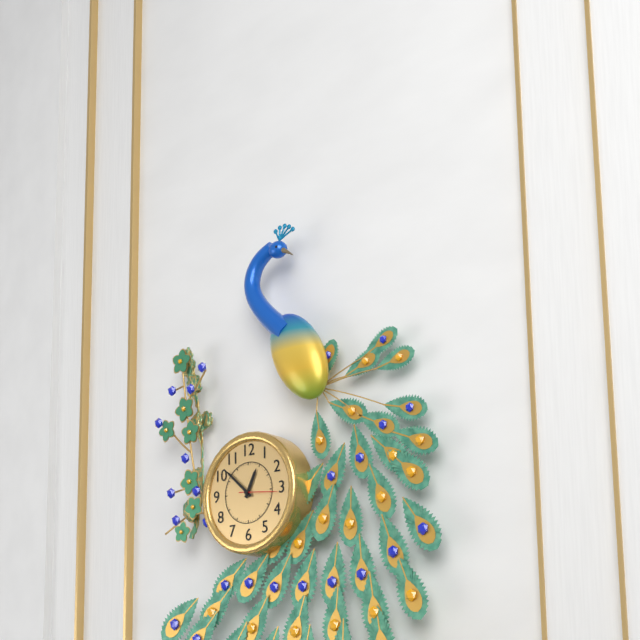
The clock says 12:52
